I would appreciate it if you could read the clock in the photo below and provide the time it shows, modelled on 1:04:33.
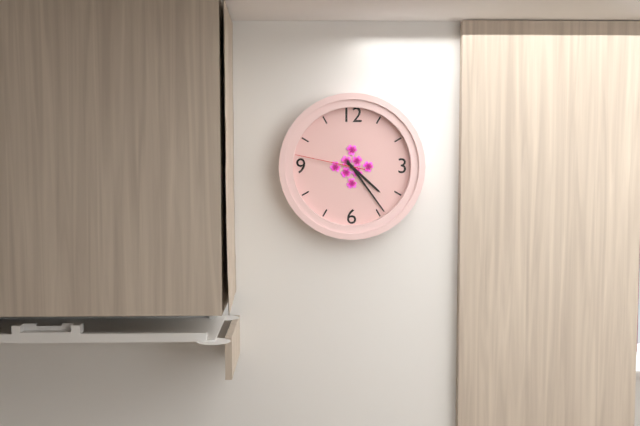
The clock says 4:24:47
